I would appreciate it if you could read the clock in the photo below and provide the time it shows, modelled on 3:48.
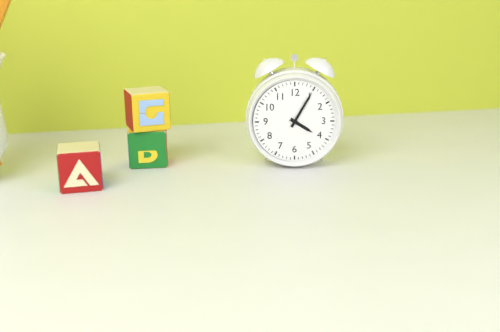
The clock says 4:05
